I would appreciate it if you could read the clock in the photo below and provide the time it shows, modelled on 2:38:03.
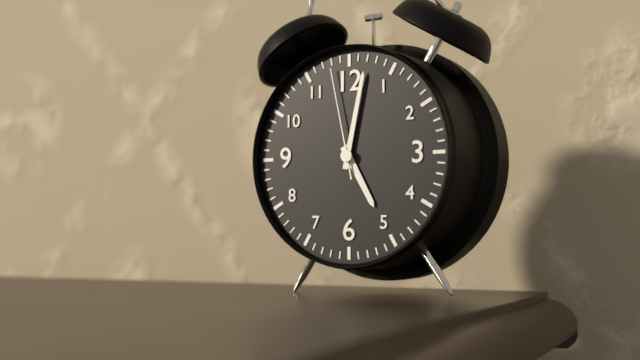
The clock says 5:02:58
